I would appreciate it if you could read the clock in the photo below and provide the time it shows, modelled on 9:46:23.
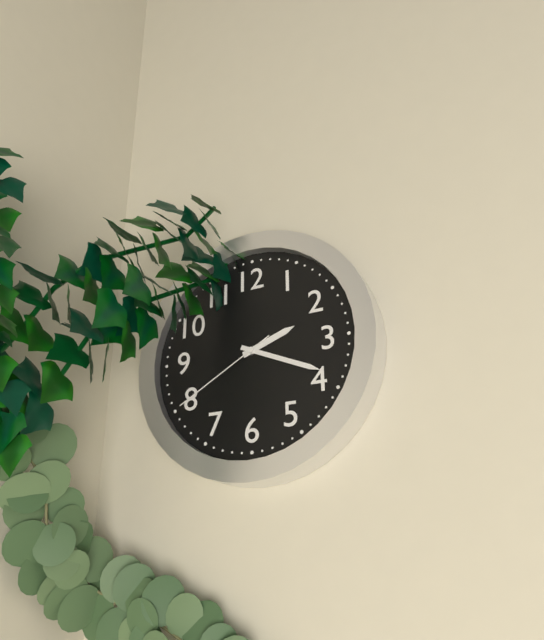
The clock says 2:19:40
